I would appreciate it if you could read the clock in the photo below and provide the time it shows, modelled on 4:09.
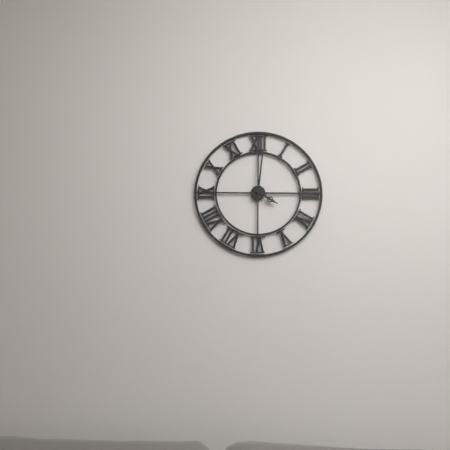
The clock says 4:01
